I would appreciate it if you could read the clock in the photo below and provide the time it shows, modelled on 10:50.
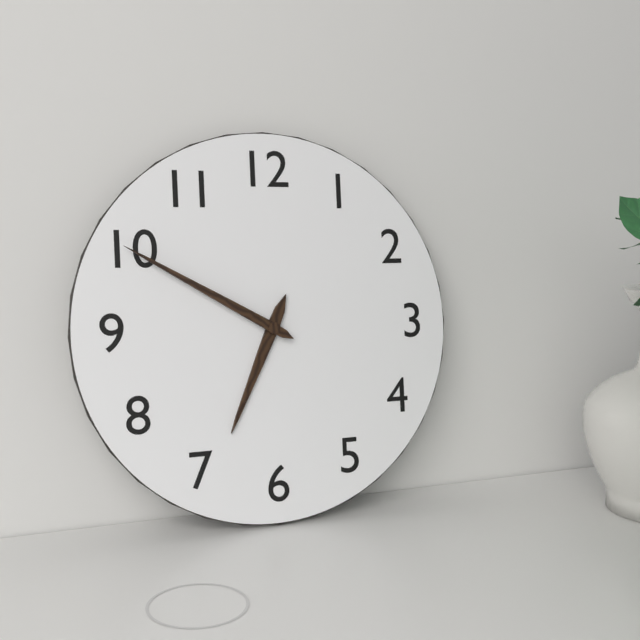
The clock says 6:50
